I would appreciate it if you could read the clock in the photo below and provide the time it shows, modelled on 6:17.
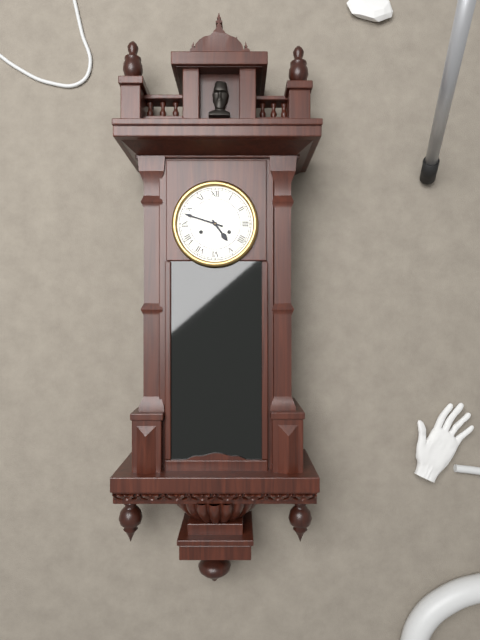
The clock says 4:48
